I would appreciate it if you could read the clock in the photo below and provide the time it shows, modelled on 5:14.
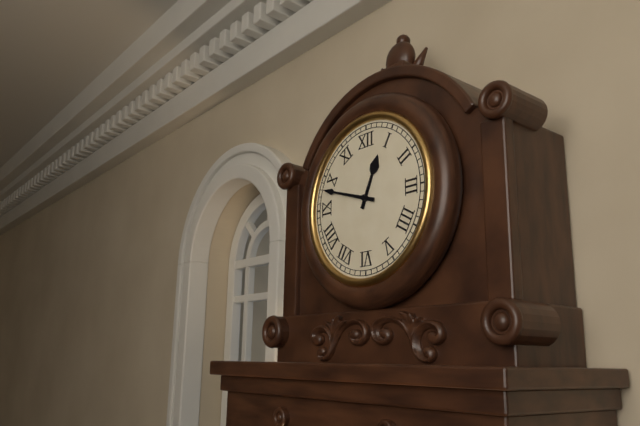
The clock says 12:48
